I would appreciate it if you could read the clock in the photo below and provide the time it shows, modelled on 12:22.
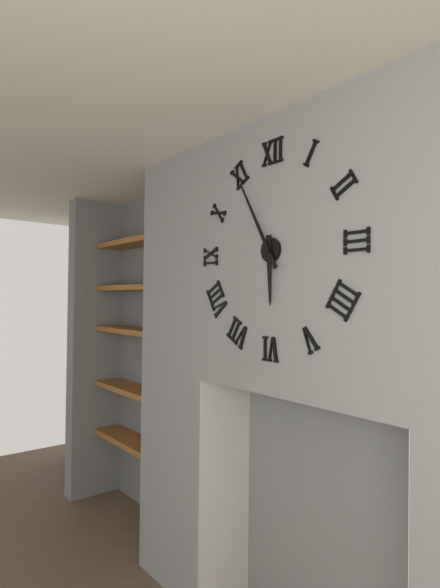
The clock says 5:55
